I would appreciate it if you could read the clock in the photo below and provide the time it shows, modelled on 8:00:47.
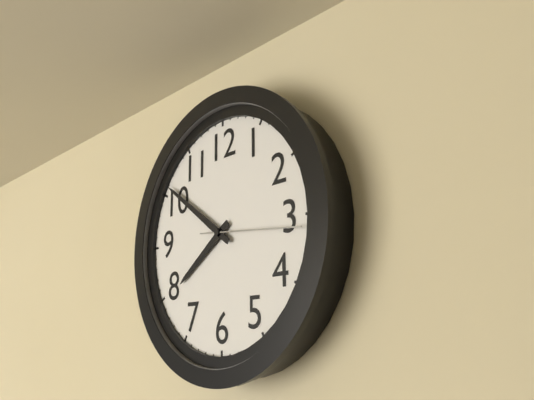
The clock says 7:51:16
